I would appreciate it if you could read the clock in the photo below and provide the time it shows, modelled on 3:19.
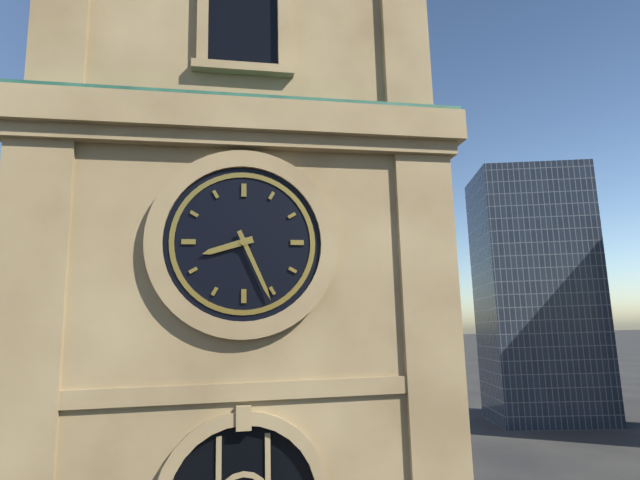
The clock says 8:26
